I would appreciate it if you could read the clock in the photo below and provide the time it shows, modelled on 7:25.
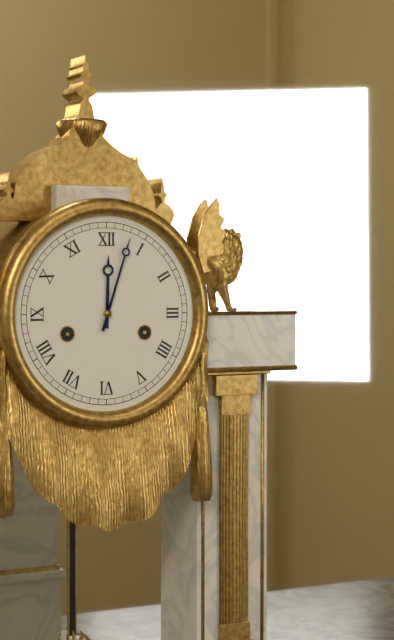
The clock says 12:03
